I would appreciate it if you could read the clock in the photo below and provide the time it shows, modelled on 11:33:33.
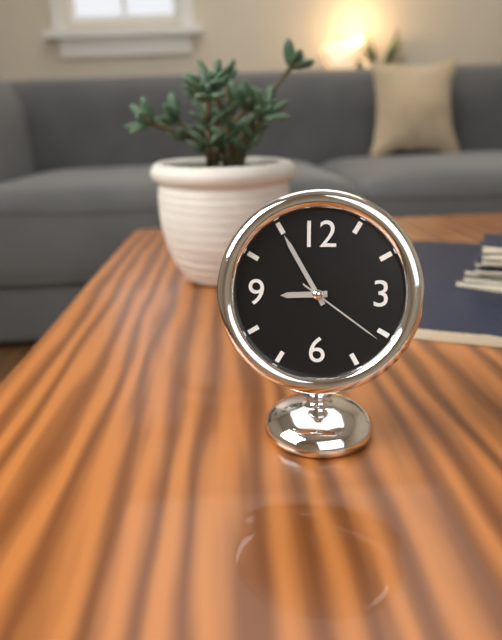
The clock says 8:55:21
